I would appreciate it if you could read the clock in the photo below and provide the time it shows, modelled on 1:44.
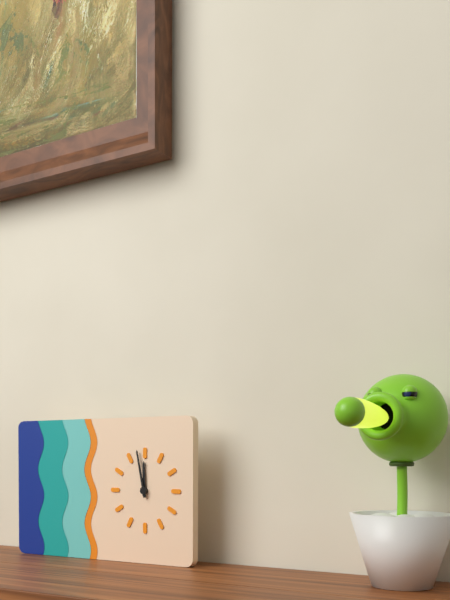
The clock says 11:58
